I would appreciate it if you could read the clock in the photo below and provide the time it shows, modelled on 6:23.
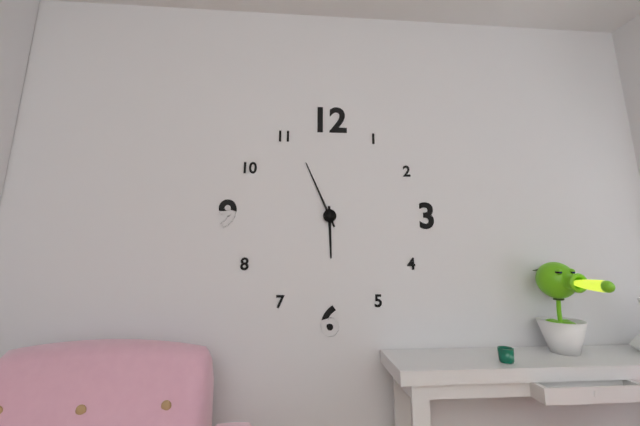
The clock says 5:56
